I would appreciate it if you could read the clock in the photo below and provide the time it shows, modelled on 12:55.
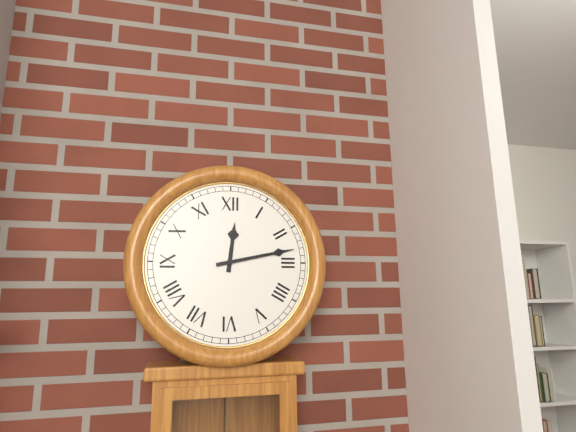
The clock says 12:13
